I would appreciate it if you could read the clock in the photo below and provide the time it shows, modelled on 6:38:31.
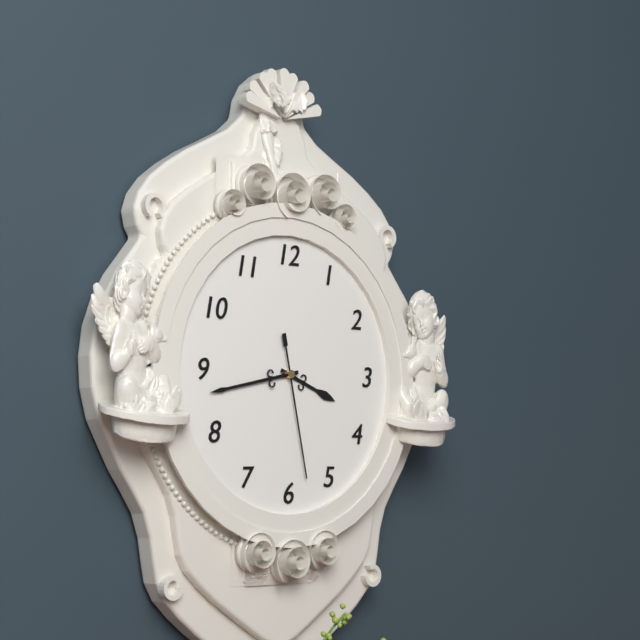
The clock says 3:43:28
